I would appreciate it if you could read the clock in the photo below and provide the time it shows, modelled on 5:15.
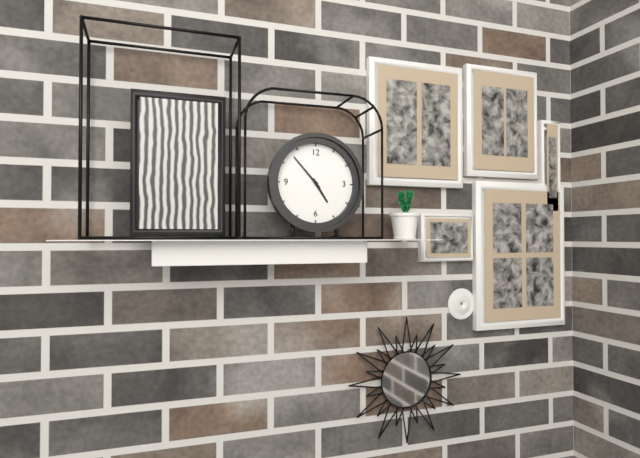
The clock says 4:53
